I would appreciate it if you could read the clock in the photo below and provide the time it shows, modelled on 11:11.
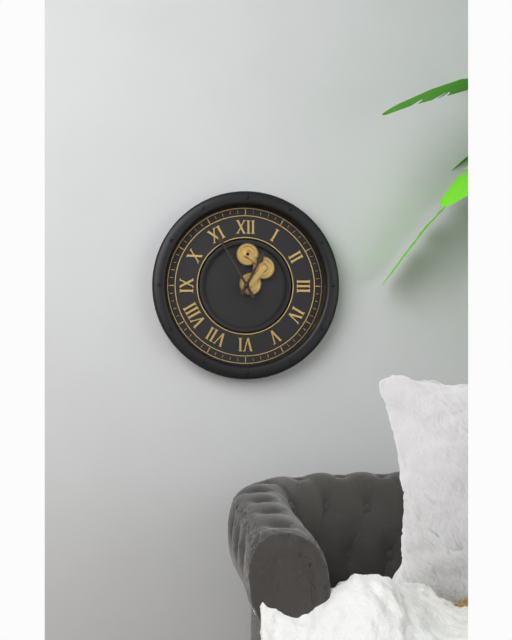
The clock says 12:55
